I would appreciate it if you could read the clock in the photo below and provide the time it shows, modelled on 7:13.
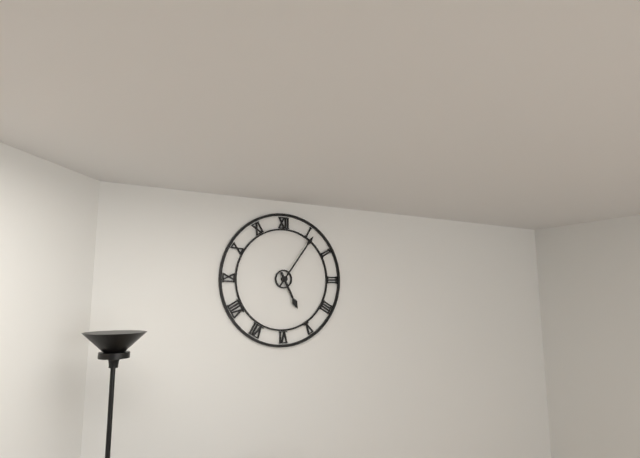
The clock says 5:06
